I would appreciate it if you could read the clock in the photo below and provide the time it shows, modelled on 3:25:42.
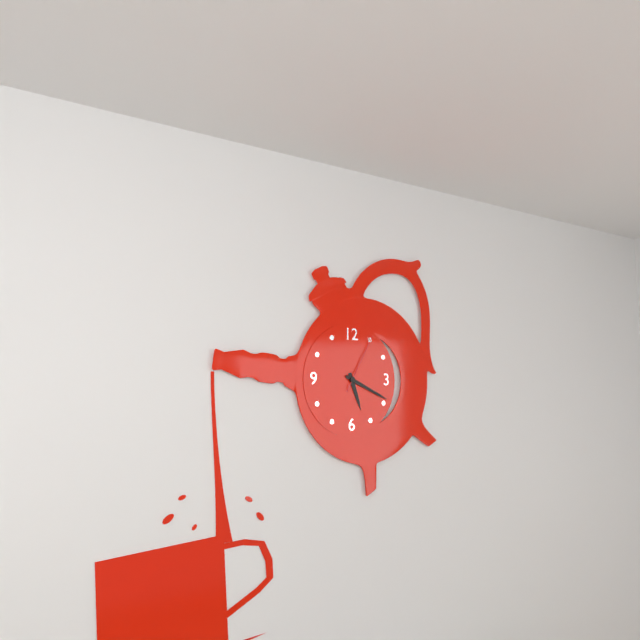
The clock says 5:19:05
